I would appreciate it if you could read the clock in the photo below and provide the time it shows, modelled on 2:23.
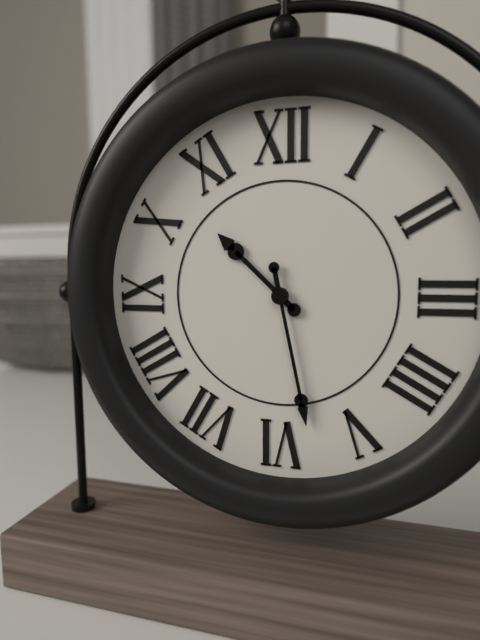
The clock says 10:28
